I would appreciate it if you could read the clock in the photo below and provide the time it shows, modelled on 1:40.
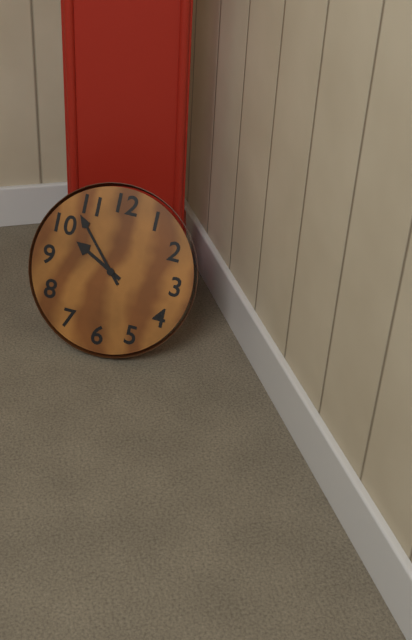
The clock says 9:53
